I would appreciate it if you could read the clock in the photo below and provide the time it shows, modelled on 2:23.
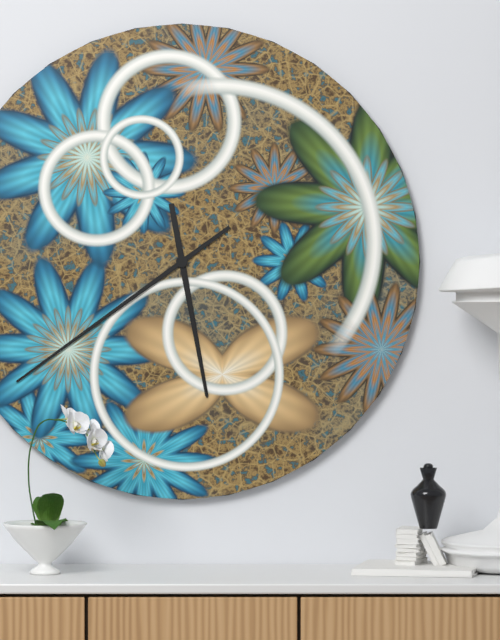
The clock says 5:39
